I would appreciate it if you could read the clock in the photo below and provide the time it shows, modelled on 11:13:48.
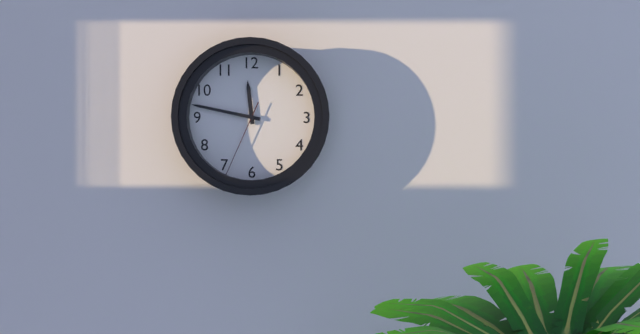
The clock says 11:47:34
